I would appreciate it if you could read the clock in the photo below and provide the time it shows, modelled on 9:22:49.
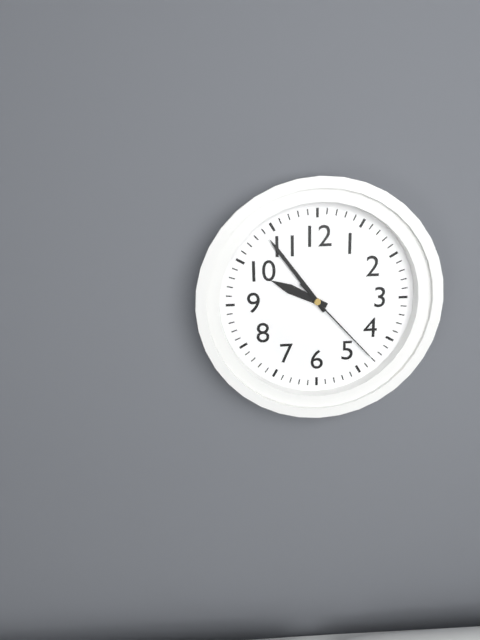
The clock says 9:54:23
